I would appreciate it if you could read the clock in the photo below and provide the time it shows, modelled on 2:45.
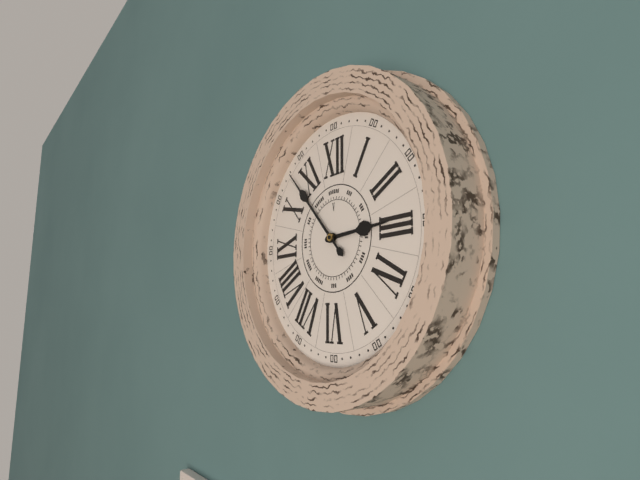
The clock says 2:53
